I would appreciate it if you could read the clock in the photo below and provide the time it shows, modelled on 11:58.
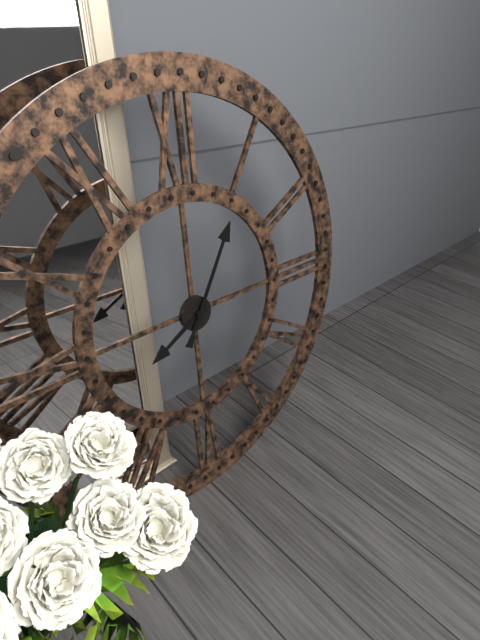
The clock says 8:05
